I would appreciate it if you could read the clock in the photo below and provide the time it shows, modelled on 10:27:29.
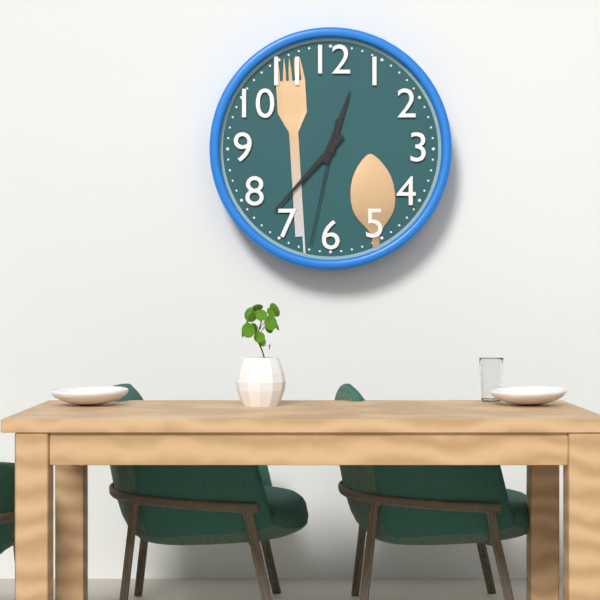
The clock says 12:37:32
